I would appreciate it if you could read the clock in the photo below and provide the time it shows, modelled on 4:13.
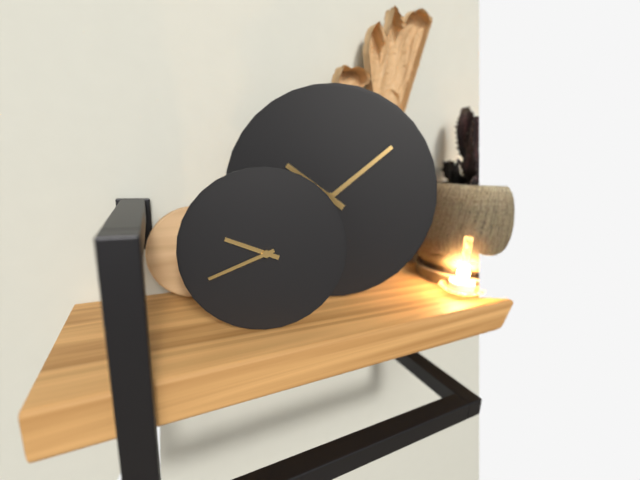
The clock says 9:41
